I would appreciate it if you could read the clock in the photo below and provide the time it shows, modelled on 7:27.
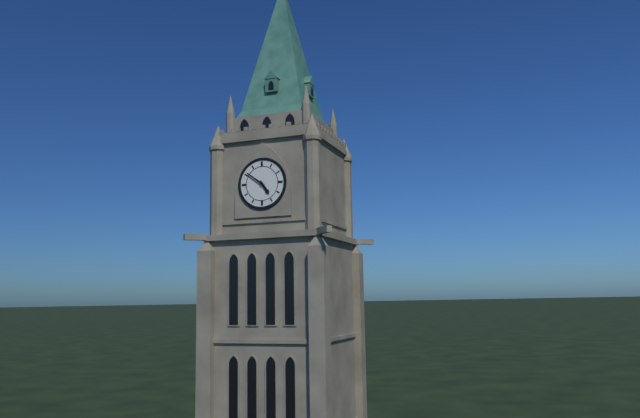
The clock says 4:51
